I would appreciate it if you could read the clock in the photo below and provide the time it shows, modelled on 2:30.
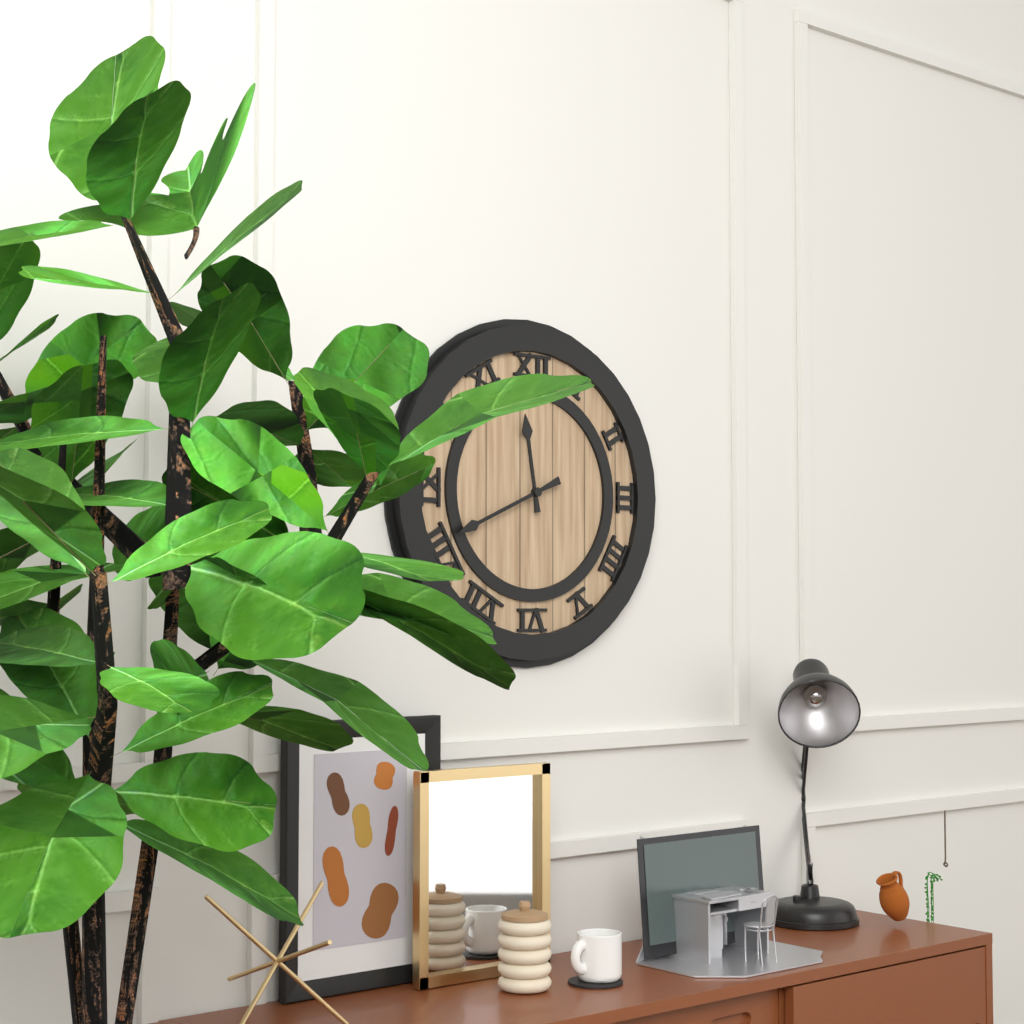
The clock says 11:41
